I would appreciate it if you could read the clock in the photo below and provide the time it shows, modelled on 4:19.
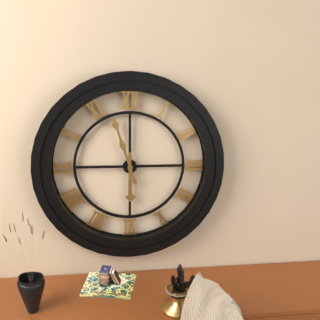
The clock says 5:57
